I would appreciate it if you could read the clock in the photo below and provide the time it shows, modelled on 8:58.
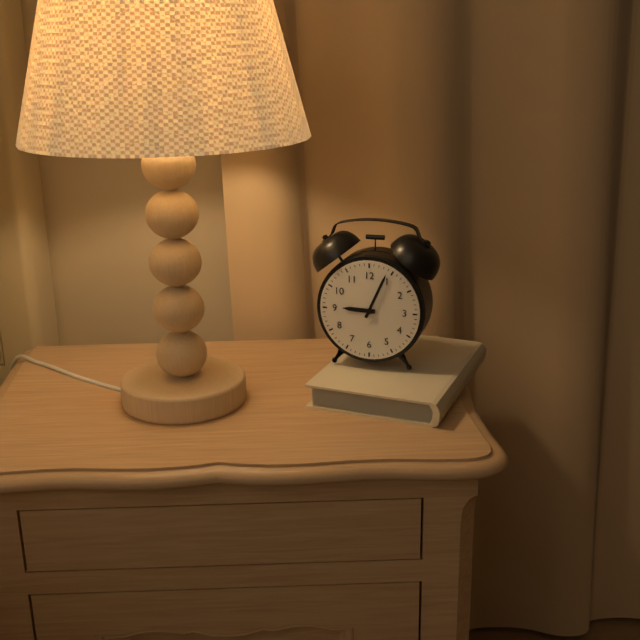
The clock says 9:04
